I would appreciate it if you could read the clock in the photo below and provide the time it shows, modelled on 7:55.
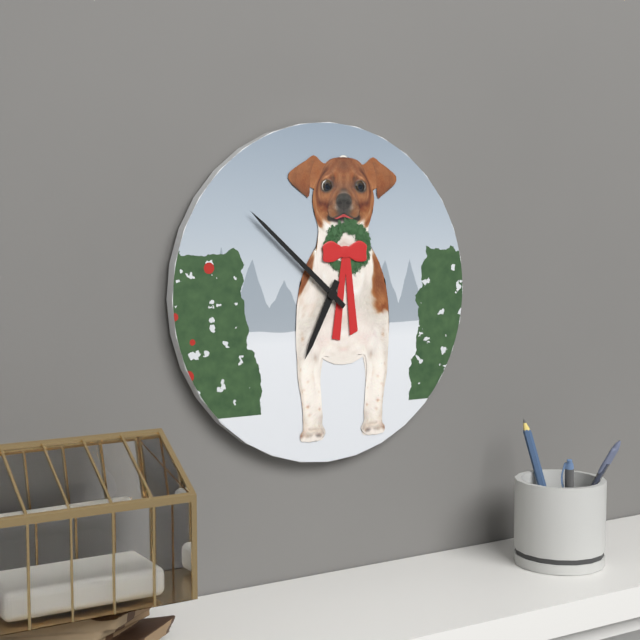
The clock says 6:52
